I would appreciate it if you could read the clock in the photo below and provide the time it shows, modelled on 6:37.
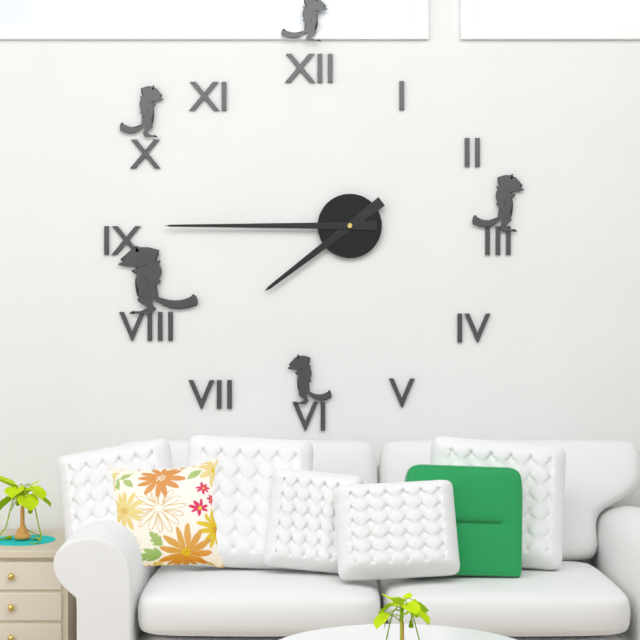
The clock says 7:45
